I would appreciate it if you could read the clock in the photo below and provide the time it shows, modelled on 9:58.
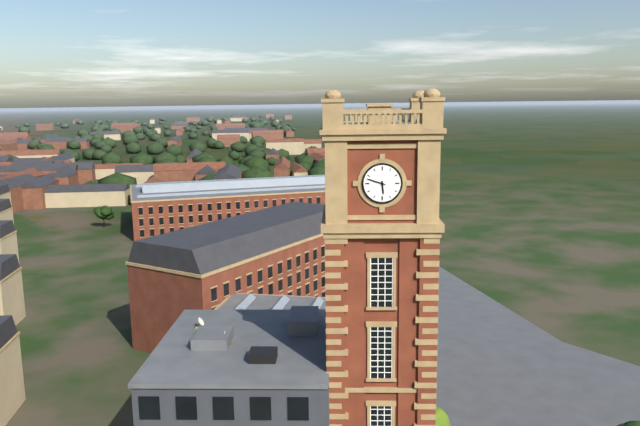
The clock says 5:48
